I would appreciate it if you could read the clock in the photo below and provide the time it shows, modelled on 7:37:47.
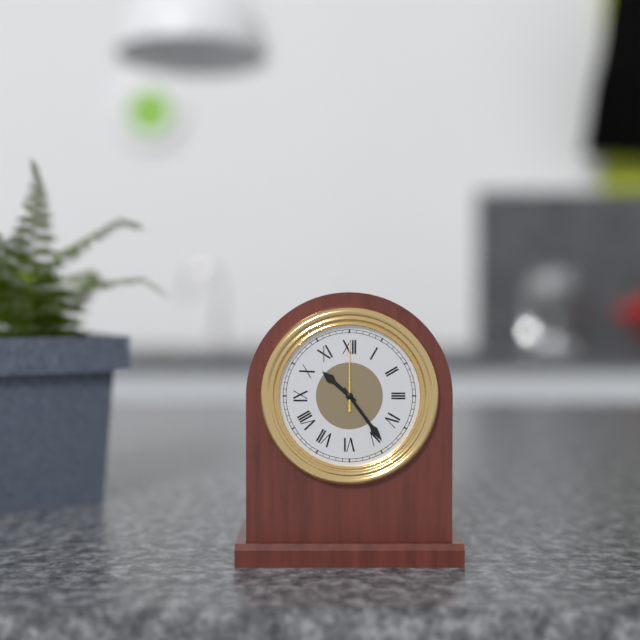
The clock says 10:24:00
